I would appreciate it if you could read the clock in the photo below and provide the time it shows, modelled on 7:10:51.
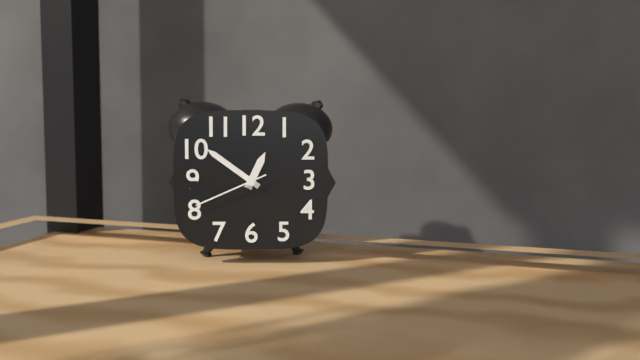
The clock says 12:51:41
